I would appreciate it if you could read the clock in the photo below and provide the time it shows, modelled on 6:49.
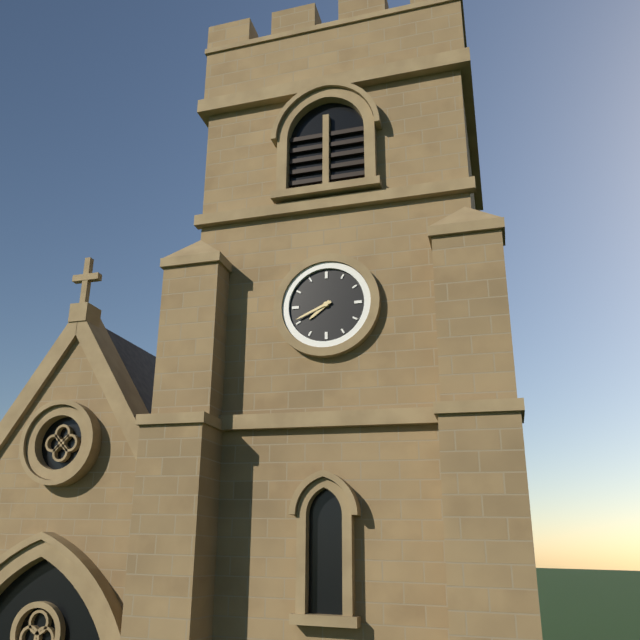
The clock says 7:41
